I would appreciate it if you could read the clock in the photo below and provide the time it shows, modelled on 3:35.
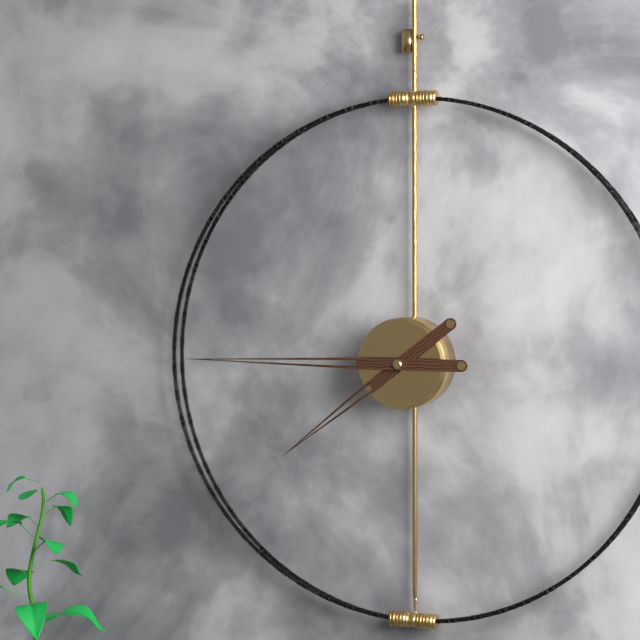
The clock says 7:45
